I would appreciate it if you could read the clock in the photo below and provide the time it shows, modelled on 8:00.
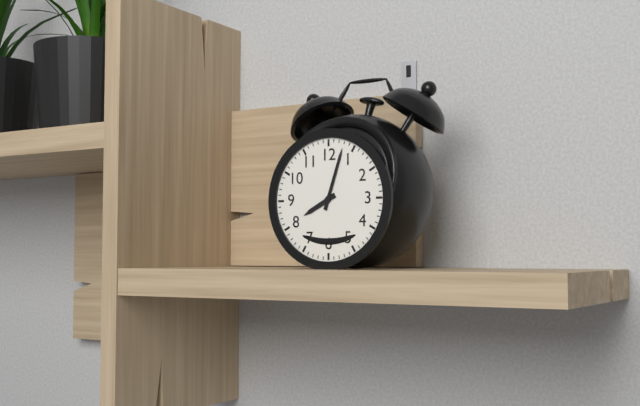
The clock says 8:03
